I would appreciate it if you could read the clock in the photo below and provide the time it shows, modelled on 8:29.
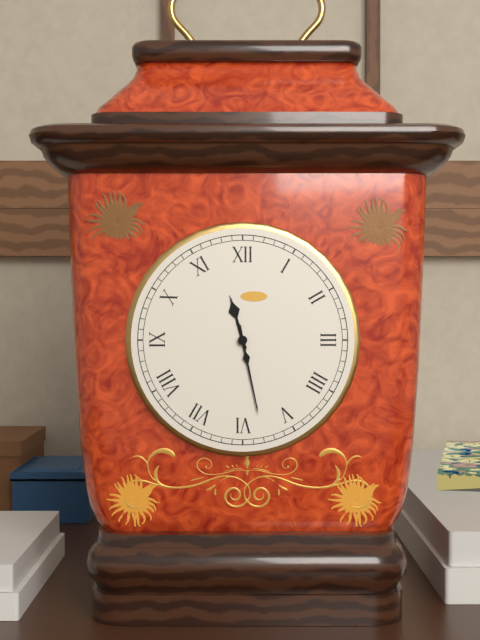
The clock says 11:28
